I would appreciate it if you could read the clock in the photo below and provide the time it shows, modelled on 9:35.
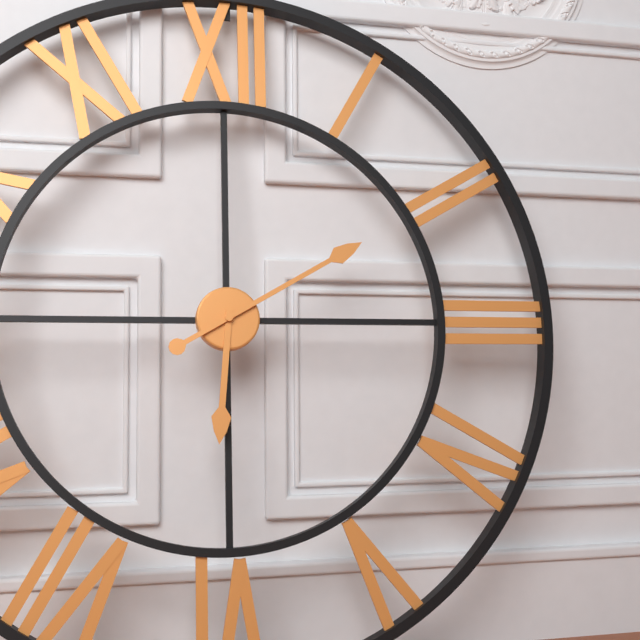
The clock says 6:10
